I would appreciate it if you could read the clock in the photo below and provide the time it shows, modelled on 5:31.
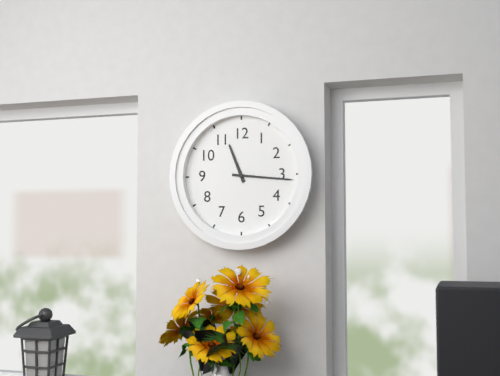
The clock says 11:16
